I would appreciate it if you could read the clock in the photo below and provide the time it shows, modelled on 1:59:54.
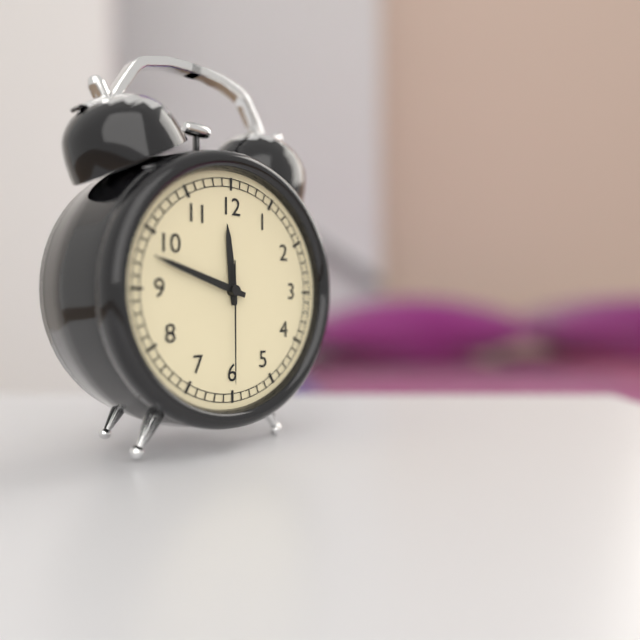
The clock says 11:48:30
